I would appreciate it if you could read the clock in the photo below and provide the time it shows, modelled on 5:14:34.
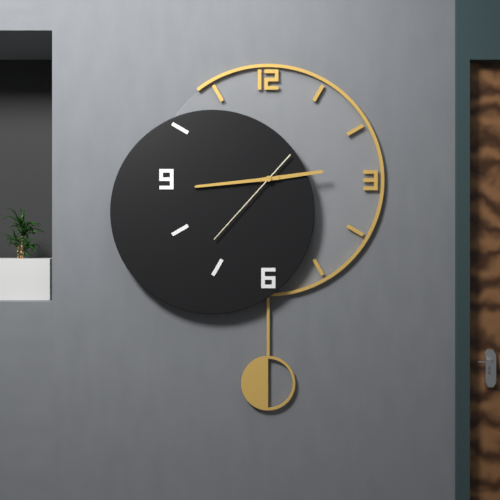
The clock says 2:44:37
